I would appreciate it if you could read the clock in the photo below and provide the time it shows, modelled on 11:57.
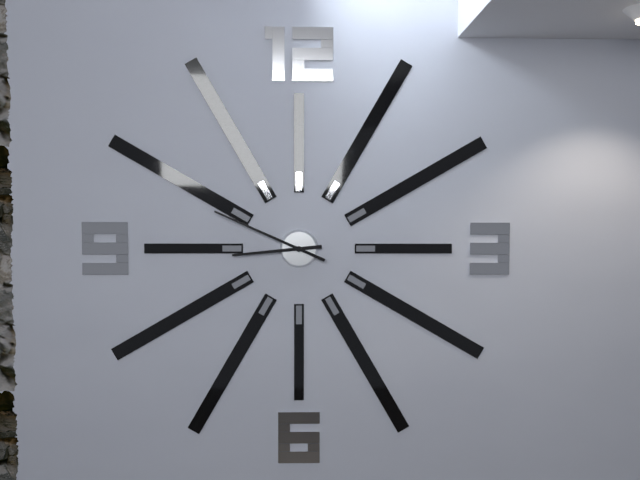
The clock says 8:49
